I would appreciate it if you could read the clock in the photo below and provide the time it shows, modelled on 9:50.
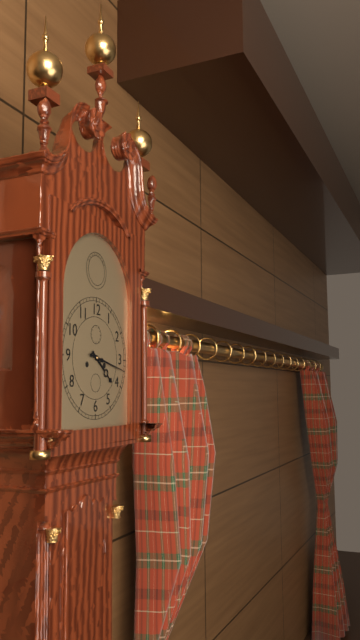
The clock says 4:17
